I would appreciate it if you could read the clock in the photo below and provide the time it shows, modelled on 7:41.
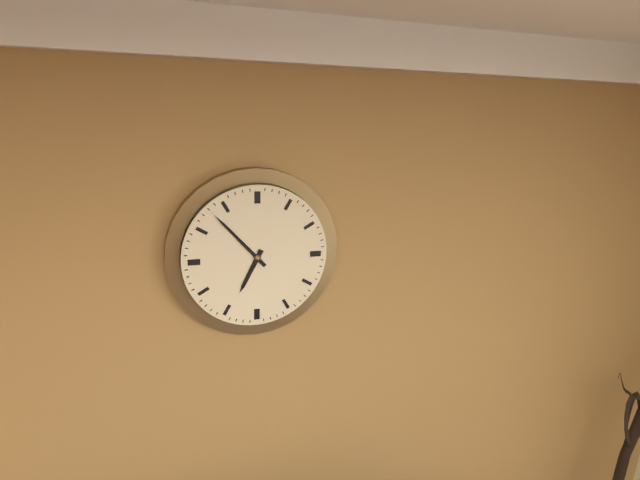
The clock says 6:53
